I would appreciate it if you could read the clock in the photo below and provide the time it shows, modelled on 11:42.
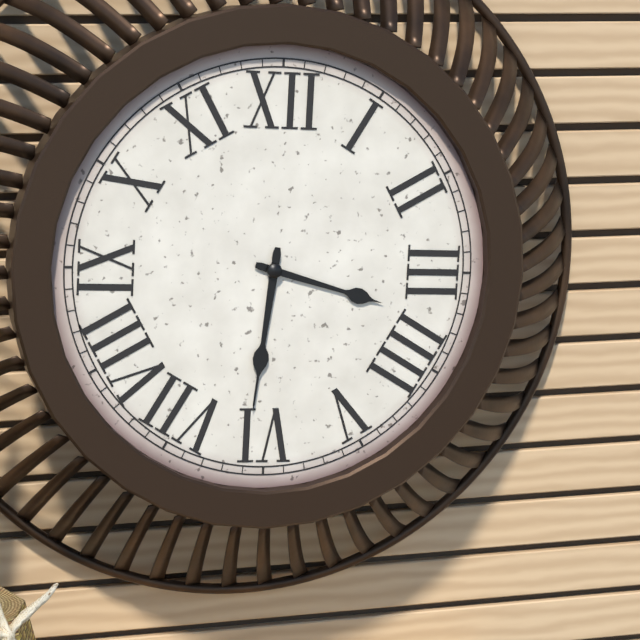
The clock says 3:31
